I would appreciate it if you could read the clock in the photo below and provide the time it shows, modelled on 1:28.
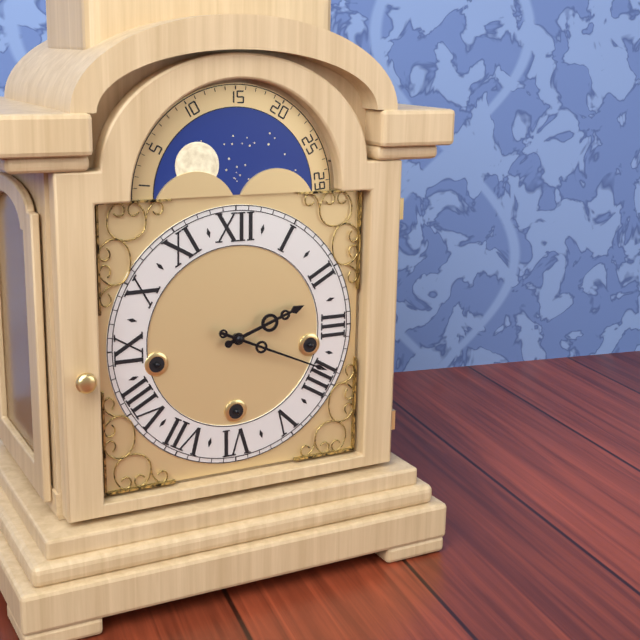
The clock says 2:19
